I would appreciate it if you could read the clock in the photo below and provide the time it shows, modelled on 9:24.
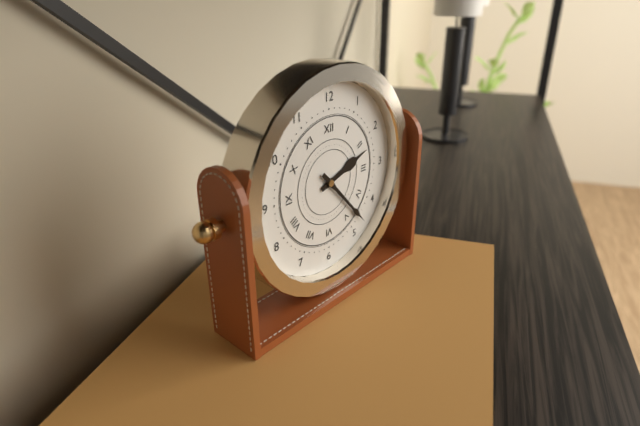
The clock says 2:23
